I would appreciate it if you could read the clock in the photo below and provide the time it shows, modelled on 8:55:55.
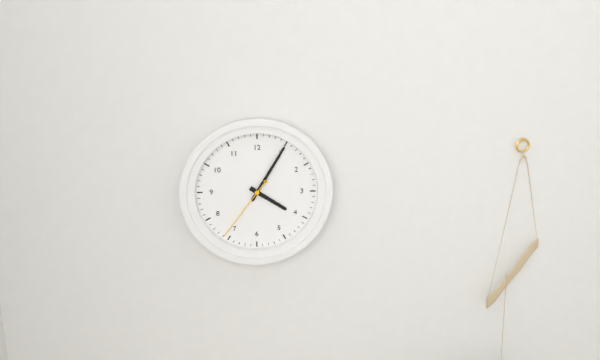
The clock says 4:05:36
